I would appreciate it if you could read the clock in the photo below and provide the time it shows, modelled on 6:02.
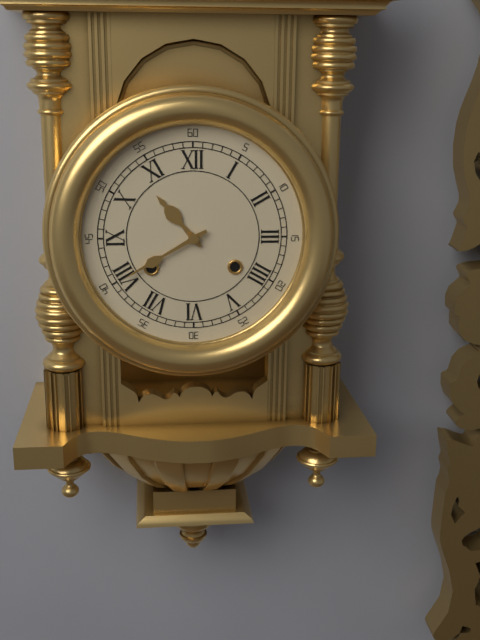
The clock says 10:40
